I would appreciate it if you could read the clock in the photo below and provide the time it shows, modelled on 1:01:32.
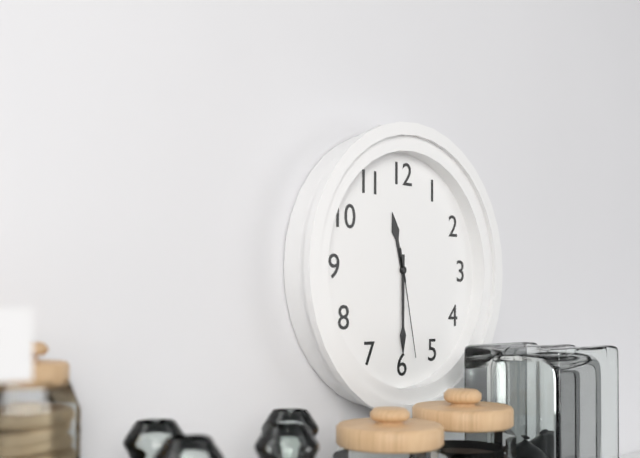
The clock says 11:30:28
